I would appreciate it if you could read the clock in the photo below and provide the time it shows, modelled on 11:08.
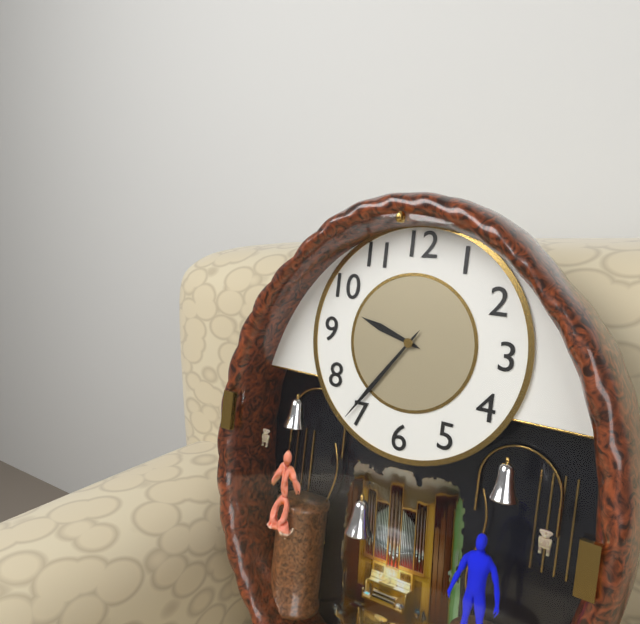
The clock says 9:36
